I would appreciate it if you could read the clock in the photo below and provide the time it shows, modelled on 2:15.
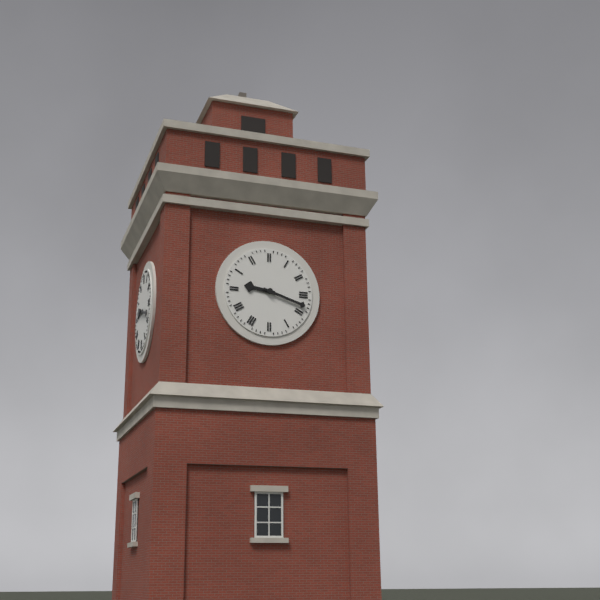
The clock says 9:18
